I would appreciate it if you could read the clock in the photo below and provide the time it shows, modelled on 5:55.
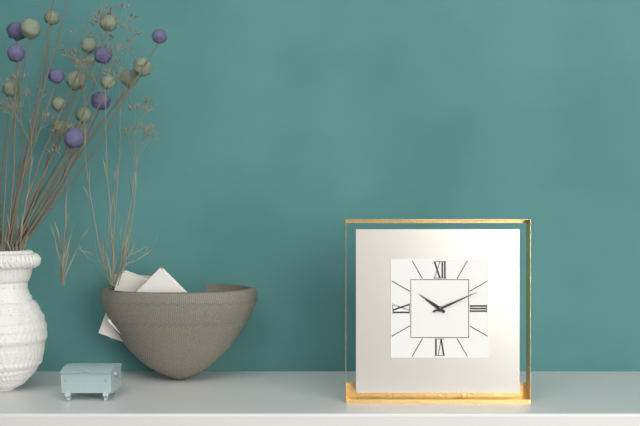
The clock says 10:11
